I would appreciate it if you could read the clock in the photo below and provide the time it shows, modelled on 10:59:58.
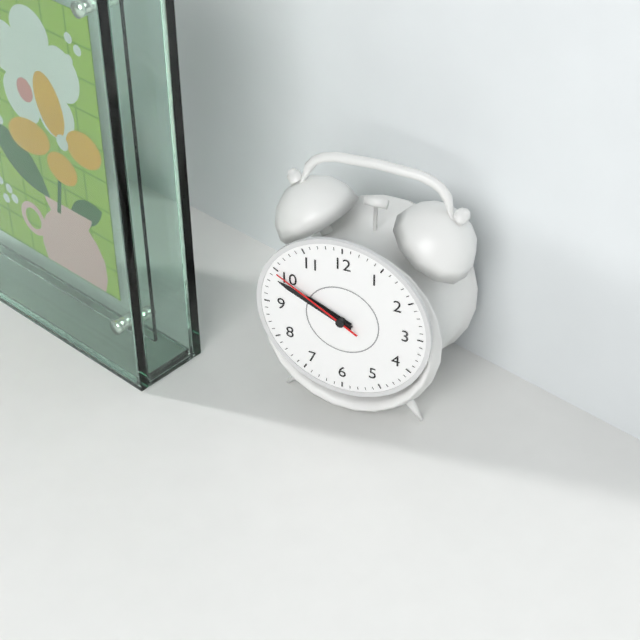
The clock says 9:49:50
